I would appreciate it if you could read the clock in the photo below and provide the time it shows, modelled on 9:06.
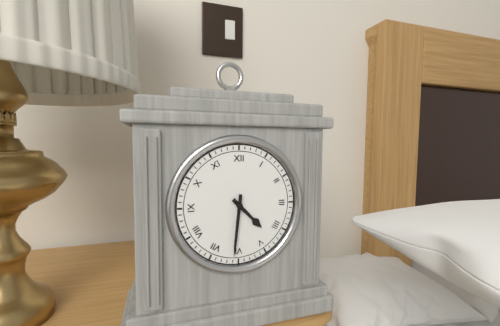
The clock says 4:31
